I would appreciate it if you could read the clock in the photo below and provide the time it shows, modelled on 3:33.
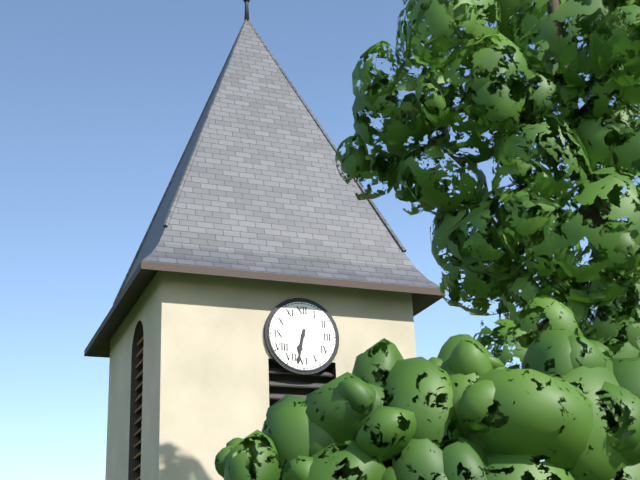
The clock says 6:32
